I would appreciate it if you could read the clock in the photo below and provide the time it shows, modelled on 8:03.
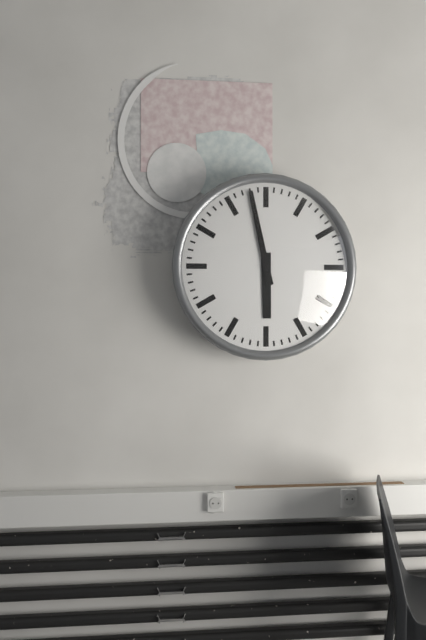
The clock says 5:58
